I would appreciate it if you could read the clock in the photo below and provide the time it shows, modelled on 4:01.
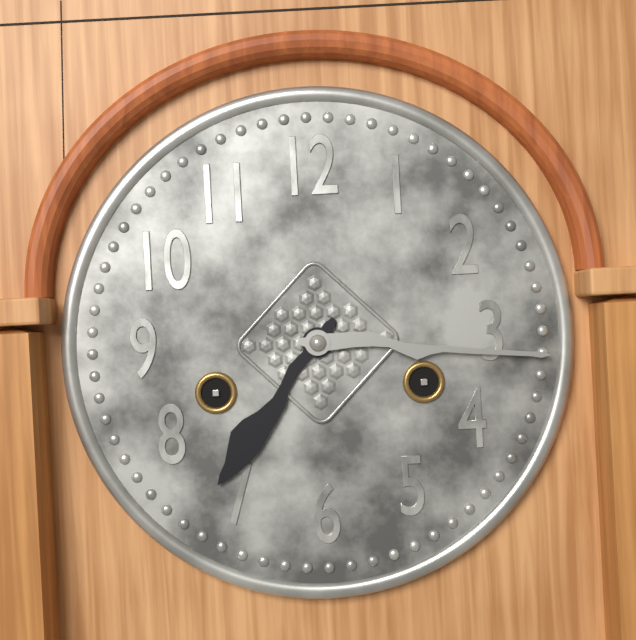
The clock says 7:16
